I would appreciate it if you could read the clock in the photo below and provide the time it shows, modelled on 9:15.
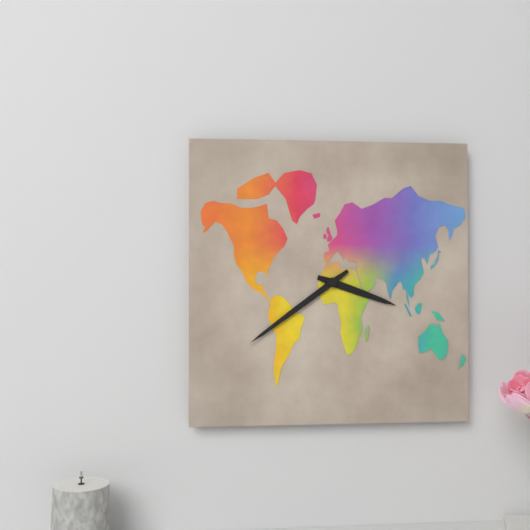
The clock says 3:39
